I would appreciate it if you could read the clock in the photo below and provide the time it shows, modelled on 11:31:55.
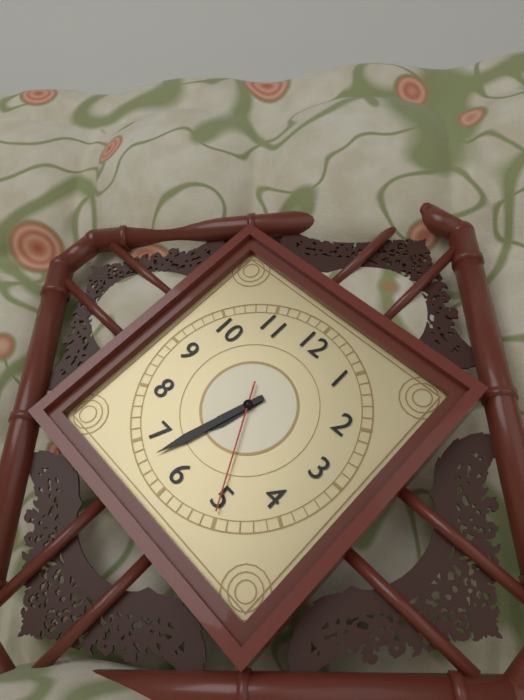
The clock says 6:33:25
